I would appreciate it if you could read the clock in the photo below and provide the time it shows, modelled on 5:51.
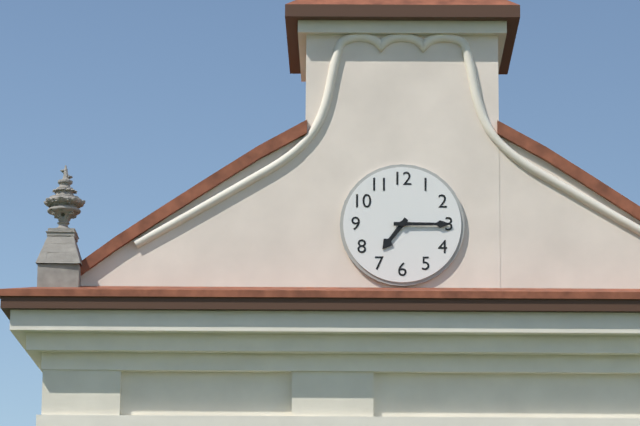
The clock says 7:15
